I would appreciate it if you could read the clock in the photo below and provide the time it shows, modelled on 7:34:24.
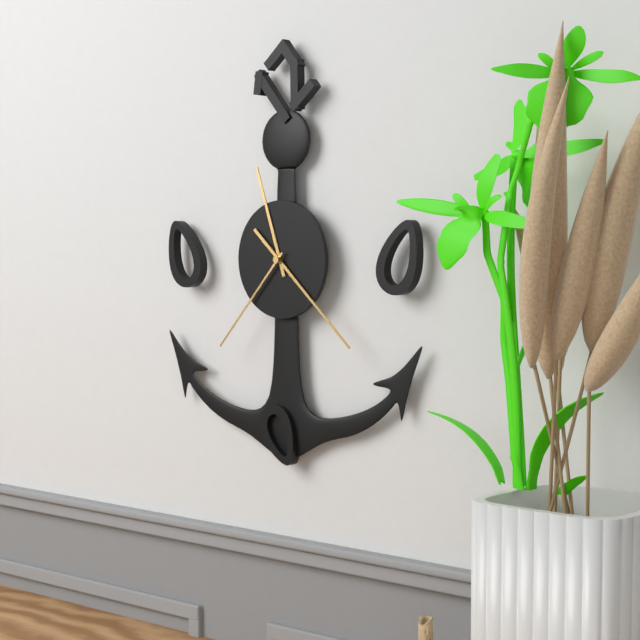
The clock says 11:22:37
